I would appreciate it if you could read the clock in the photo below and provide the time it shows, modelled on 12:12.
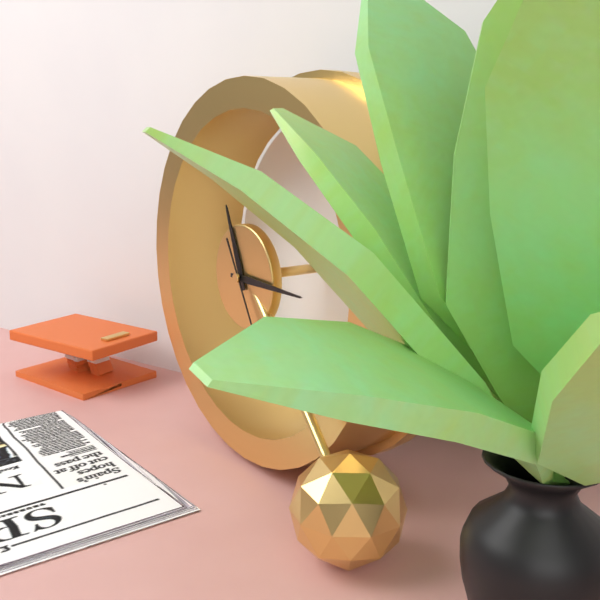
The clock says 11:15
